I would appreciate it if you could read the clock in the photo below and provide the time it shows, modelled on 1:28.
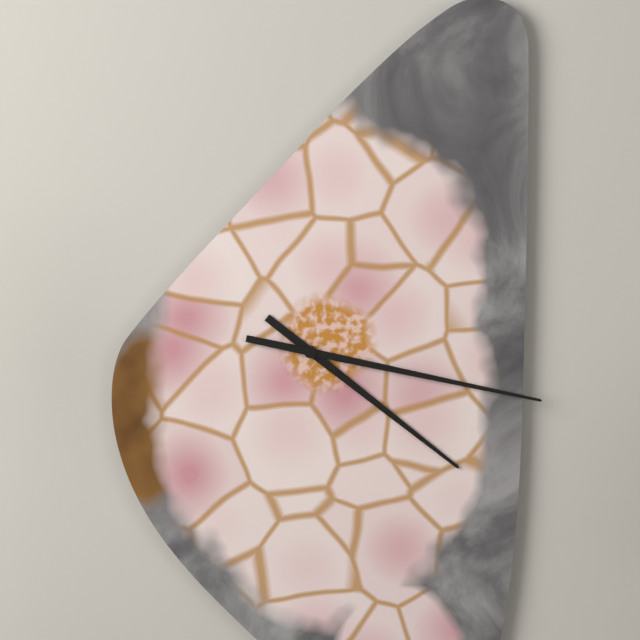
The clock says 4:17
